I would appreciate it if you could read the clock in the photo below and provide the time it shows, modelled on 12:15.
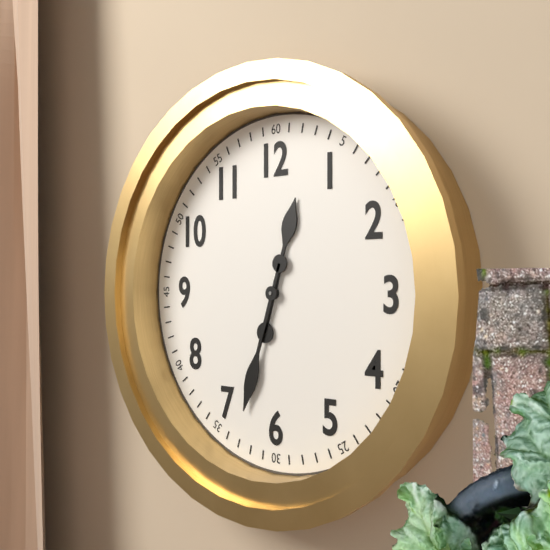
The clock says 12:33
